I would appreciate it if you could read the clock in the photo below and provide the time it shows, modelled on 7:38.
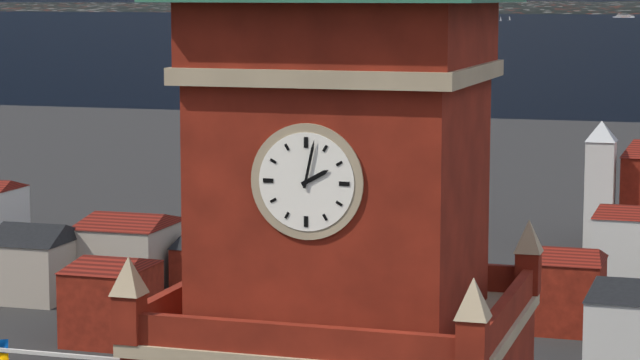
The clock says 2:02
